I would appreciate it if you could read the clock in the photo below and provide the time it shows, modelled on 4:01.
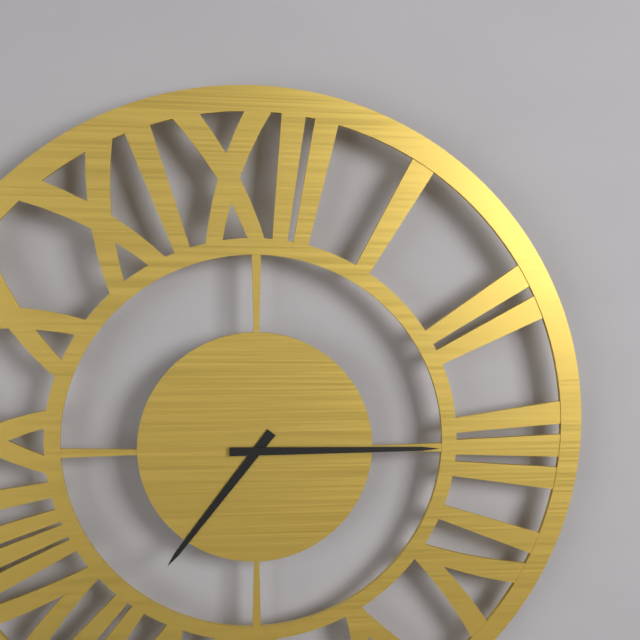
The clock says 7:15
